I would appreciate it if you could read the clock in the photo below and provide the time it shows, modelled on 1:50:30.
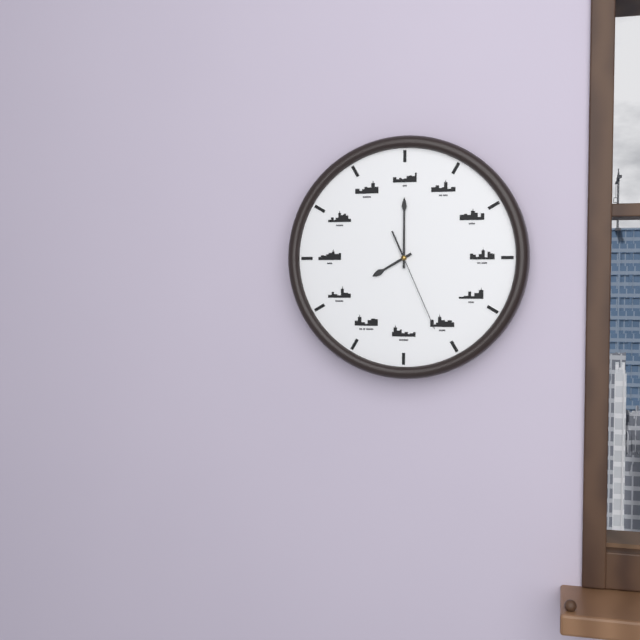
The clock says 8:00:26
